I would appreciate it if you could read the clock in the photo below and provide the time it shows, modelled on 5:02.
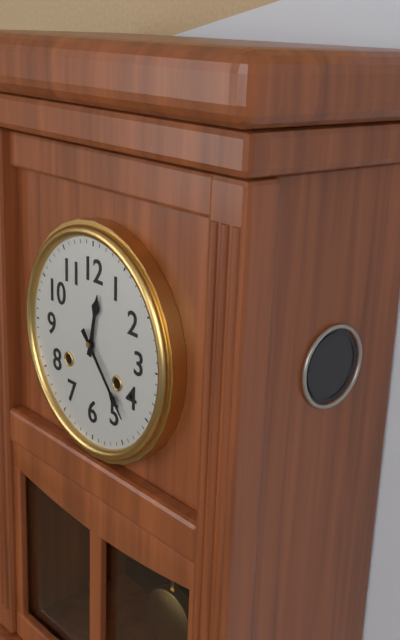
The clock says 12:23
